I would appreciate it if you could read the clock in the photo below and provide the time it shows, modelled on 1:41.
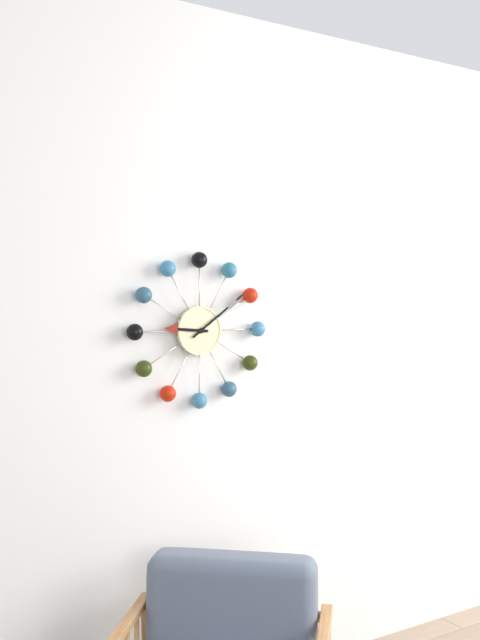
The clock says 9:09
